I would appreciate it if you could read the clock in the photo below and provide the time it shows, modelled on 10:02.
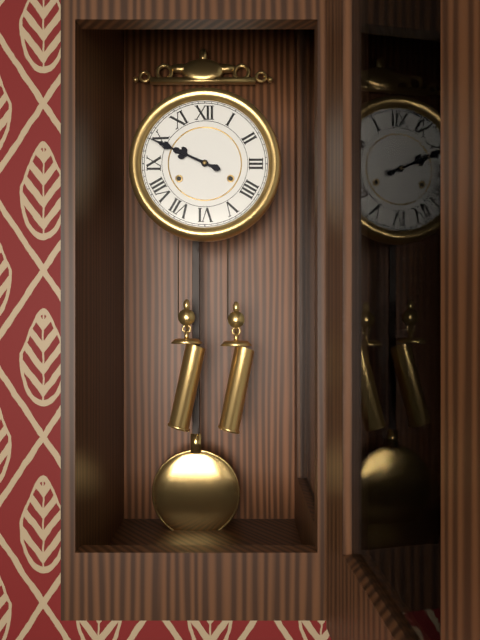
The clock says 9:49
